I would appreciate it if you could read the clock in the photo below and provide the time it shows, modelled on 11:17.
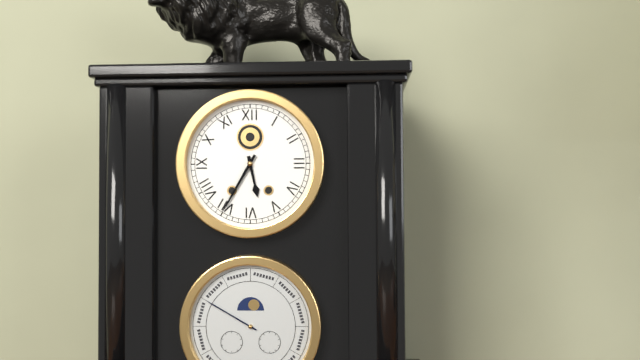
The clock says 5:35
